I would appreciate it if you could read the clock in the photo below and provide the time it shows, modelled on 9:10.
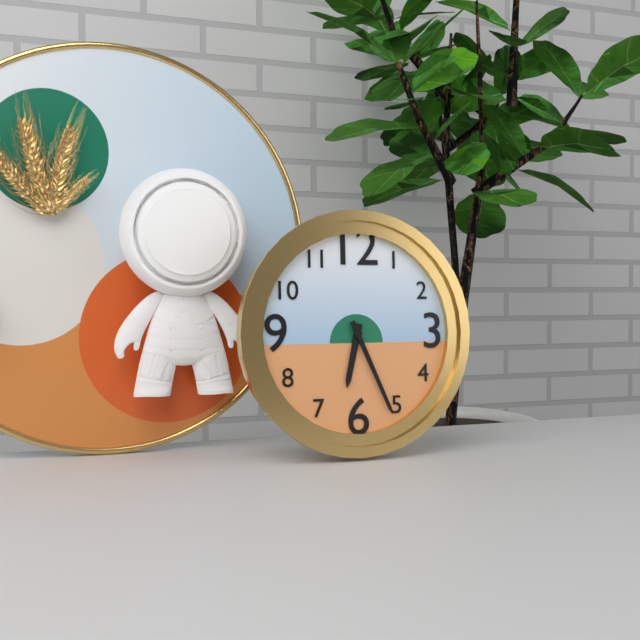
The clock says 6:26
